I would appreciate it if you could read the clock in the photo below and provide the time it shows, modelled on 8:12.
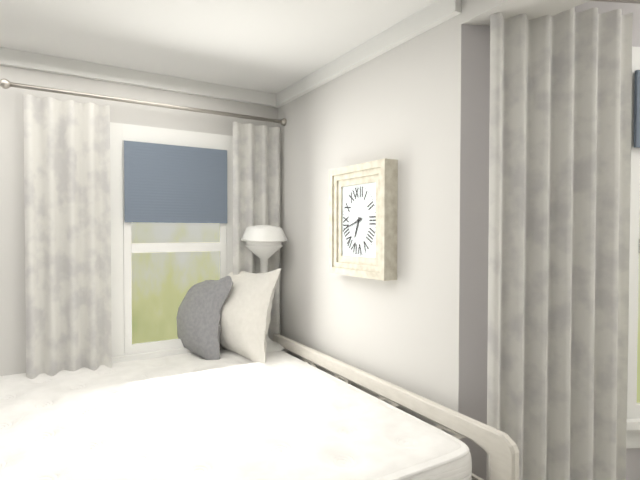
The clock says 6:42
